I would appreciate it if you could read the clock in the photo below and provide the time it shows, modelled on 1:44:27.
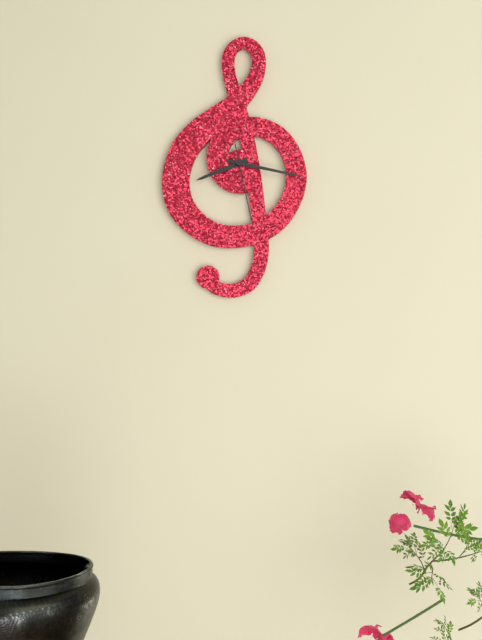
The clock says 8:17:28
